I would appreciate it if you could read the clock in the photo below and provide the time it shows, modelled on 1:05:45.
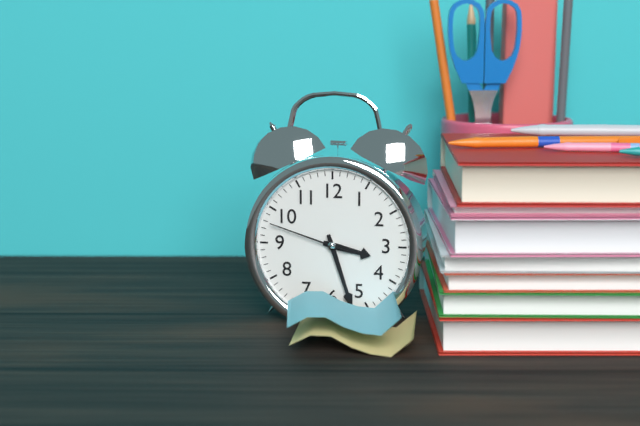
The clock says 3:27:48
